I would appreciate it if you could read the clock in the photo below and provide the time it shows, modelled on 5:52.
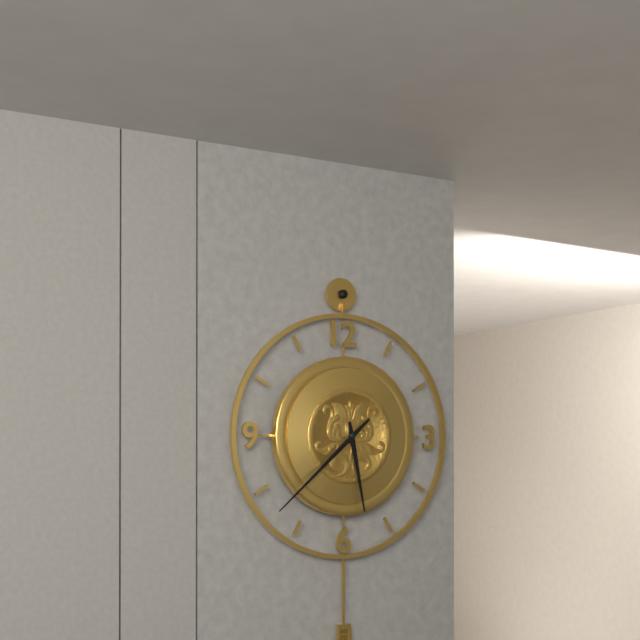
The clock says 5:38
